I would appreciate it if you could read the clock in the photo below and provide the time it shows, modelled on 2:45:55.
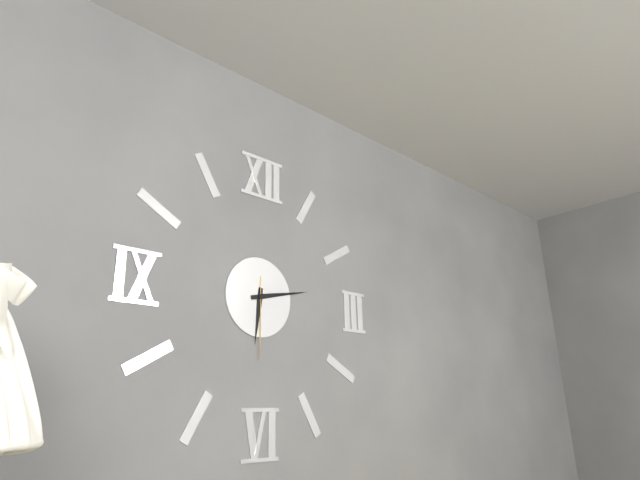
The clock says 6:13:30
